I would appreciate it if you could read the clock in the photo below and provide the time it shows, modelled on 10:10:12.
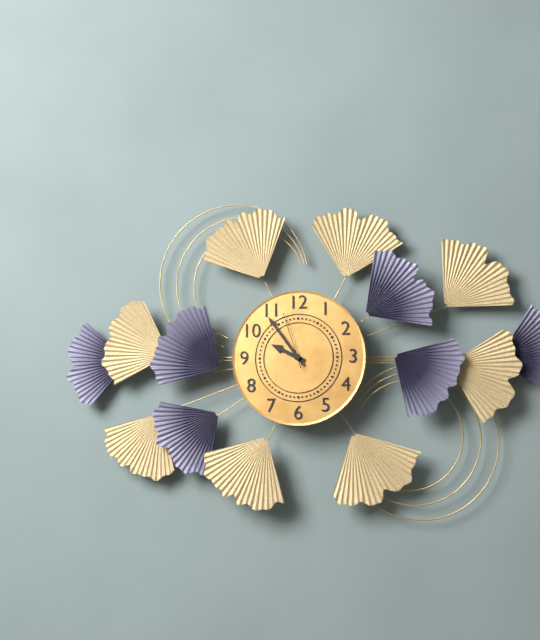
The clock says 9:54:57
